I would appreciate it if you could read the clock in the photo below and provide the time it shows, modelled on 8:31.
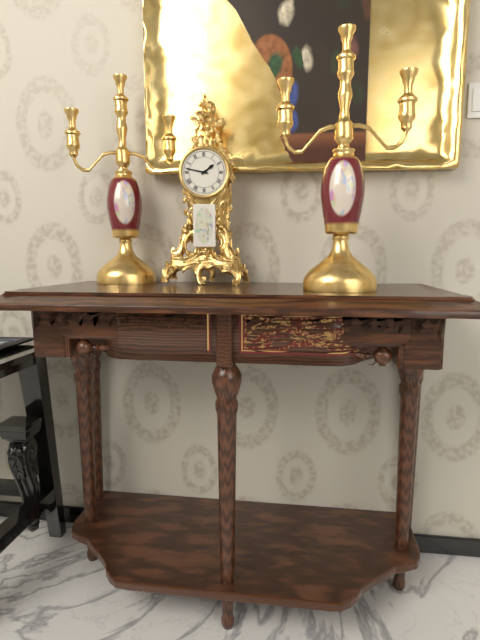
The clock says 1:47
